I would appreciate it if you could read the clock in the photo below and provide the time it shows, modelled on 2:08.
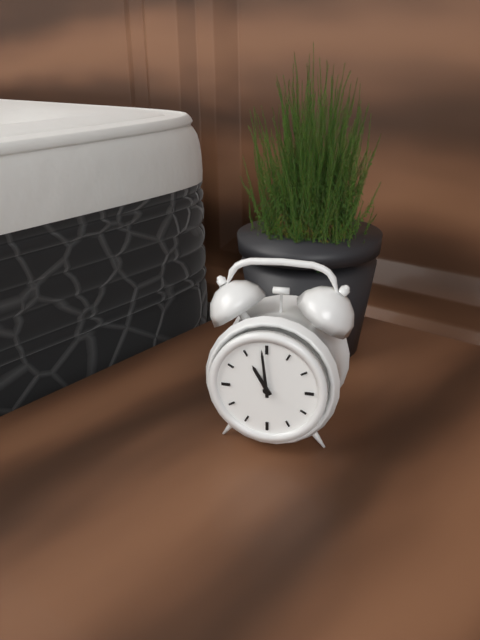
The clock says 10:59
